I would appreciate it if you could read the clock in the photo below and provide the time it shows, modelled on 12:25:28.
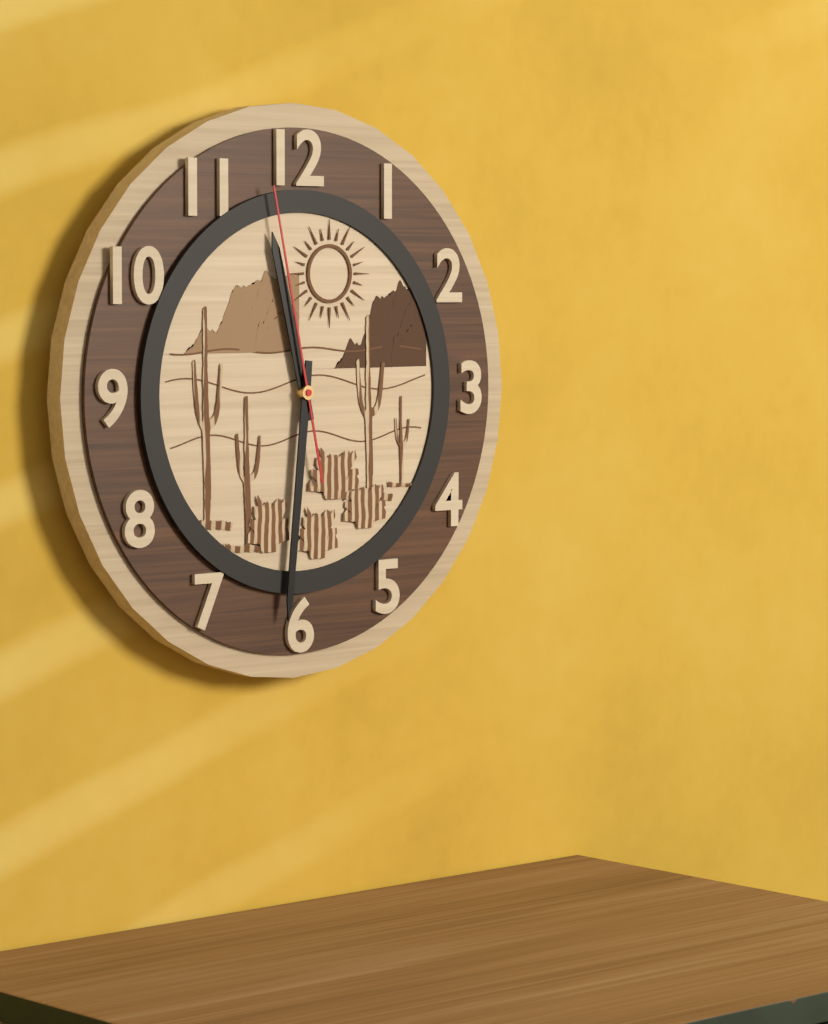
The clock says 11:31:58
